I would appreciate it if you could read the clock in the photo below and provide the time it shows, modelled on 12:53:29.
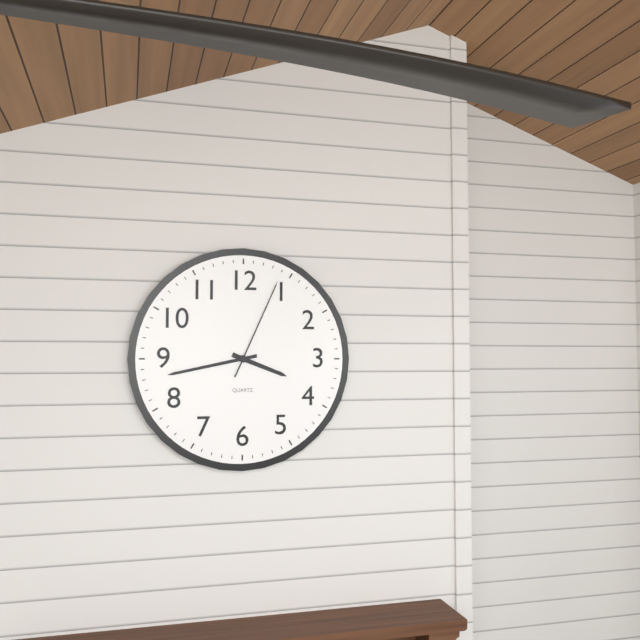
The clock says 3:43:04
